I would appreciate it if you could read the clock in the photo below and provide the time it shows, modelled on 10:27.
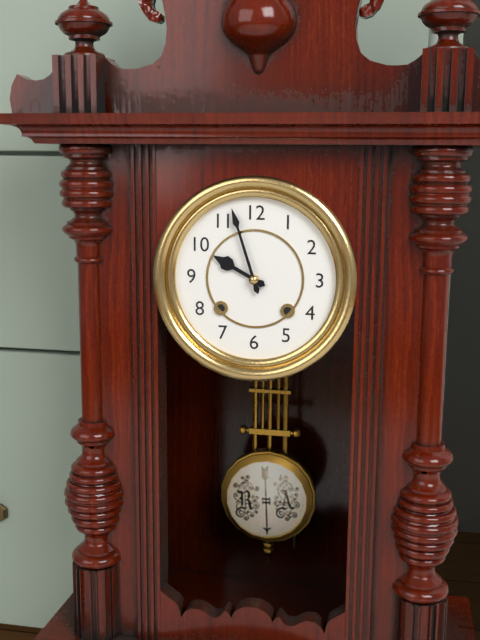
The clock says 9:57
